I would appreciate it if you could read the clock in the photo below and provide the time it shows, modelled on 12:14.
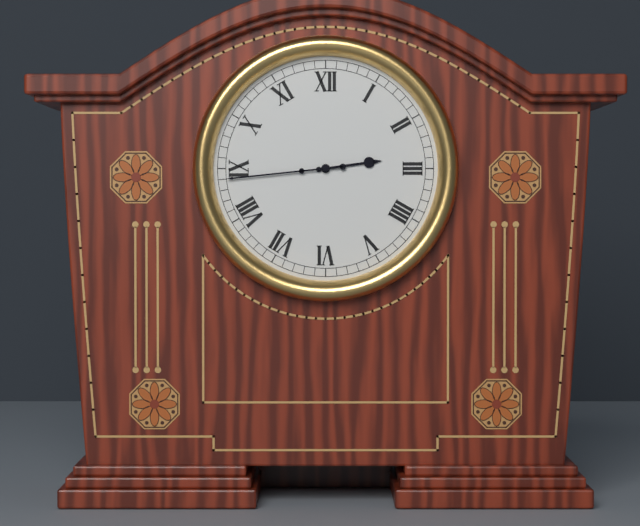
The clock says 2:44
